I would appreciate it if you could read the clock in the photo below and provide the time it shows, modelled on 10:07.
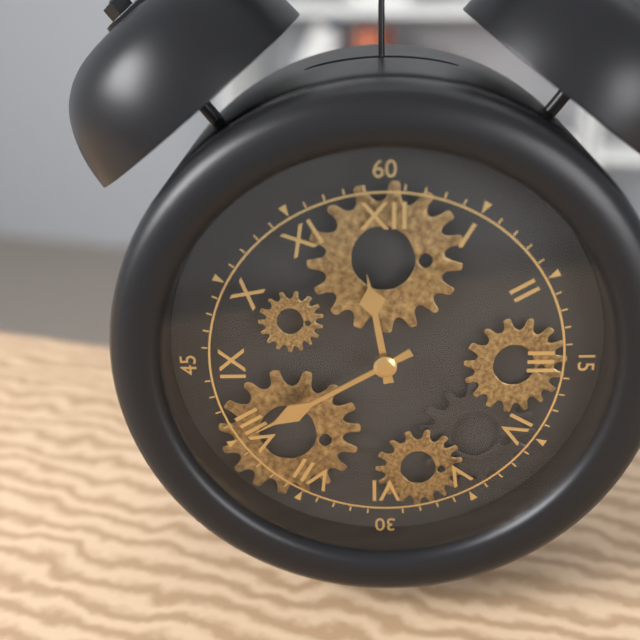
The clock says 11:40
